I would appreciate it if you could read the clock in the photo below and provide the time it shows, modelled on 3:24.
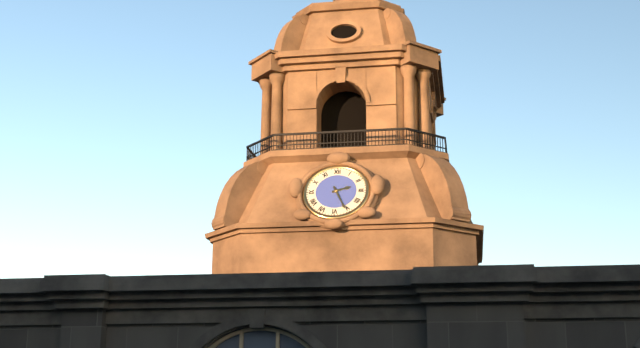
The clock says 2:26
